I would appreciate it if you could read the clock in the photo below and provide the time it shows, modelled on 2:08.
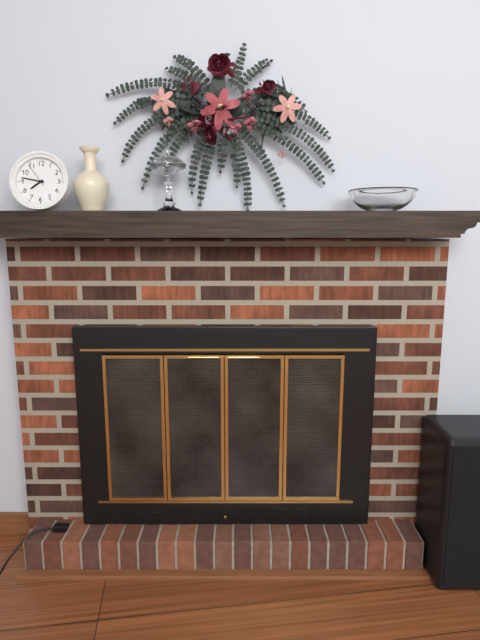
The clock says 7:47
